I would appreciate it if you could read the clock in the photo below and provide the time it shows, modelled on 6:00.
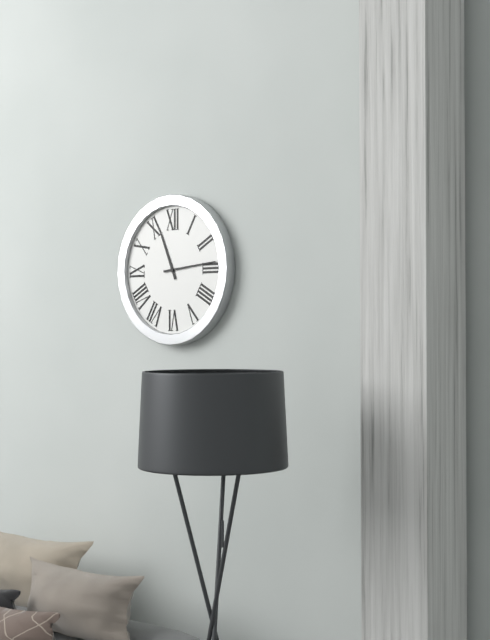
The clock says 11:14
